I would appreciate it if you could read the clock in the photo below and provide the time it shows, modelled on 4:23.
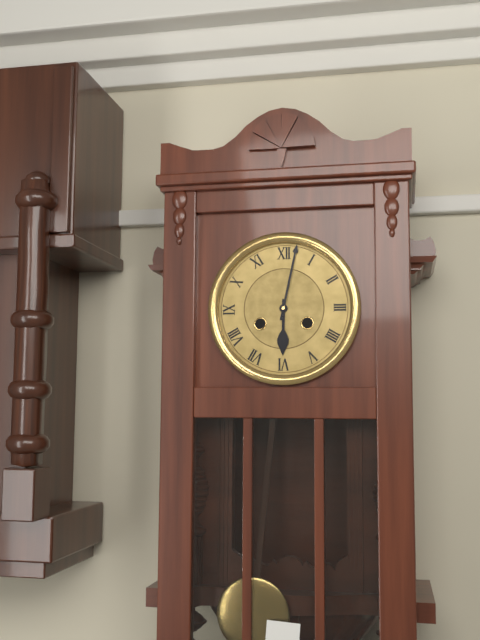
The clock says 6:02
